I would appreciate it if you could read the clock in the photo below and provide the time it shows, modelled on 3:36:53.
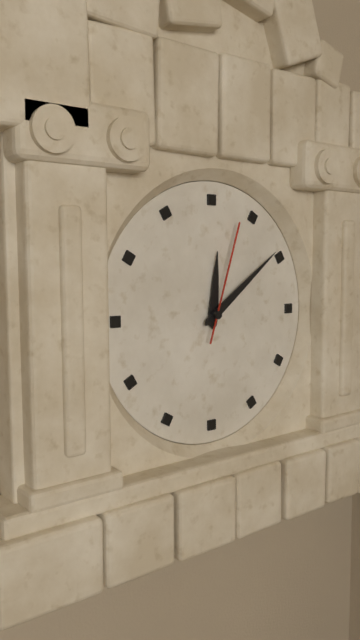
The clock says 12:09:03
